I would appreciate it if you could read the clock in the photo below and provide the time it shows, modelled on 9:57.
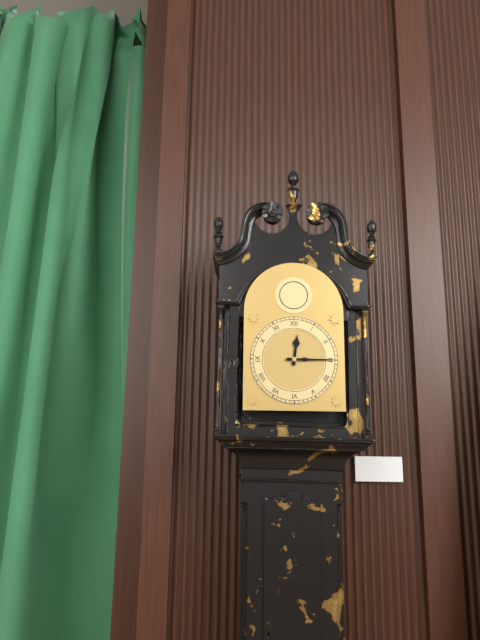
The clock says 12:15
